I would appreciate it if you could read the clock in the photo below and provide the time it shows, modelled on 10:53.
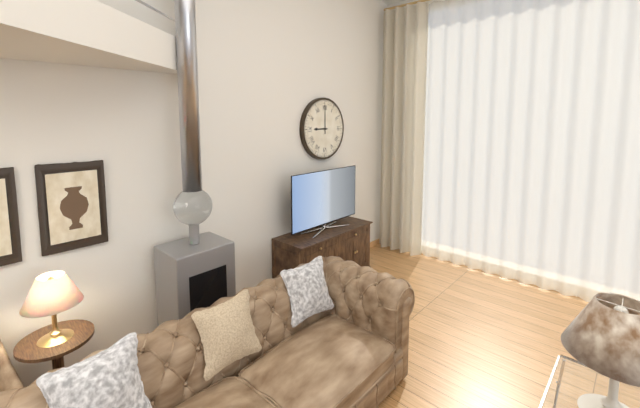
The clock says 9:00
